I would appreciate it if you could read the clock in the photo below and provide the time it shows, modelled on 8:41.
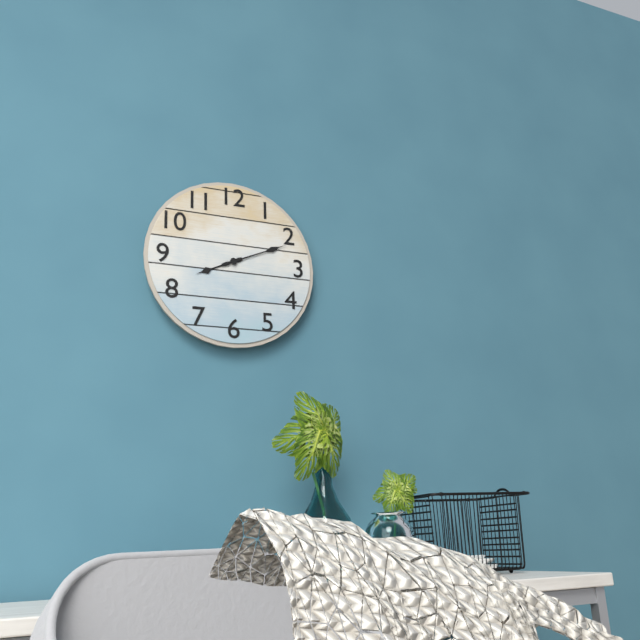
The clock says 8:11
